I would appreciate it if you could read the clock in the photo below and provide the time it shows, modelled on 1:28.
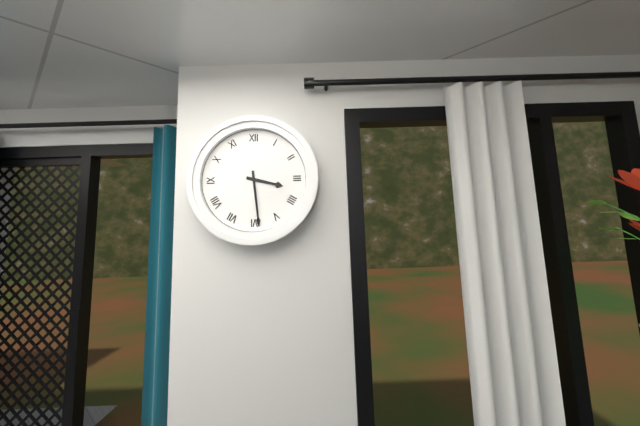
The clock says 3:29
